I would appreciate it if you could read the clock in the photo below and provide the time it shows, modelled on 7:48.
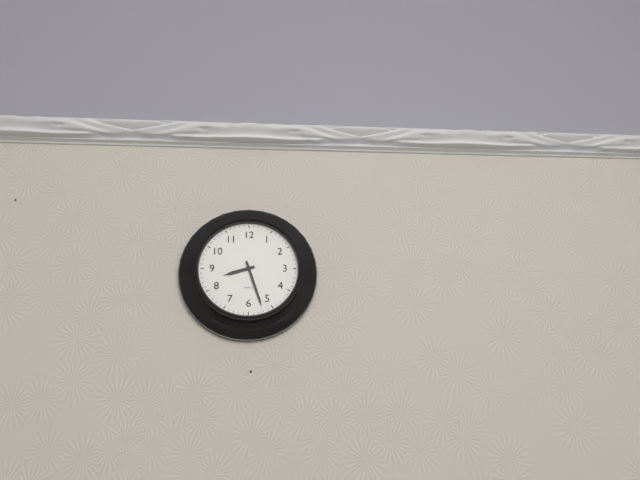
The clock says 8:27
